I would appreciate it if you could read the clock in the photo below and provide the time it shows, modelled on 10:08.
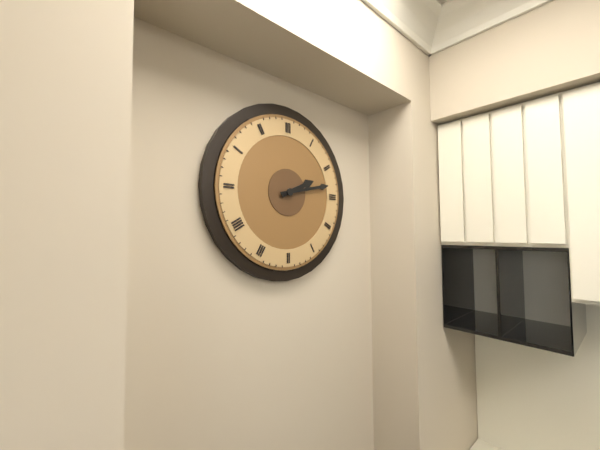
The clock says 2:13
